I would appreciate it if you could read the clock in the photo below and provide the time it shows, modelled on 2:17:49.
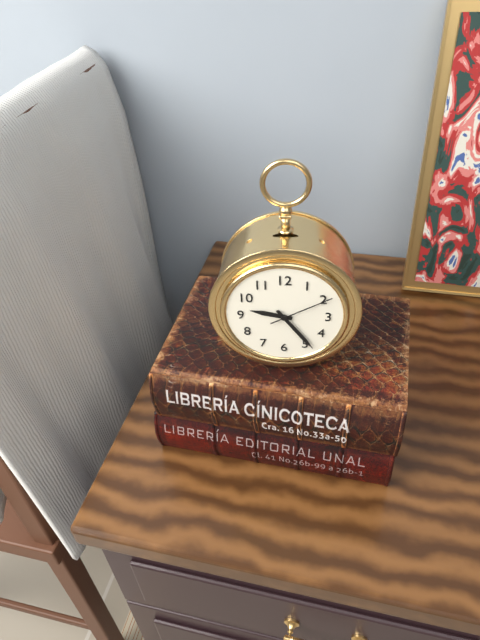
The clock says 9:24:10
